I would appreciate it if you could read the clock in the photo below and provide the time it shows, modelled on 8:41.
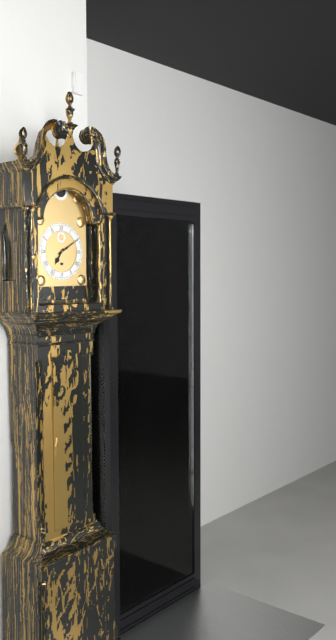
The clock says 7:10
